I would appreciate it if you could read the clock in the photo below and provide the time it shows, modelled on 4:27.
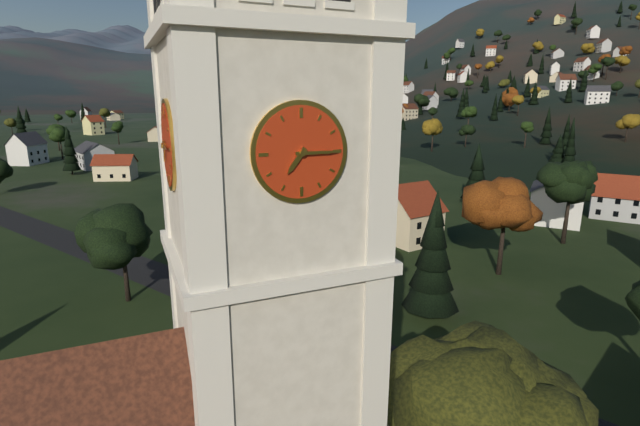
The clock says 7:15
